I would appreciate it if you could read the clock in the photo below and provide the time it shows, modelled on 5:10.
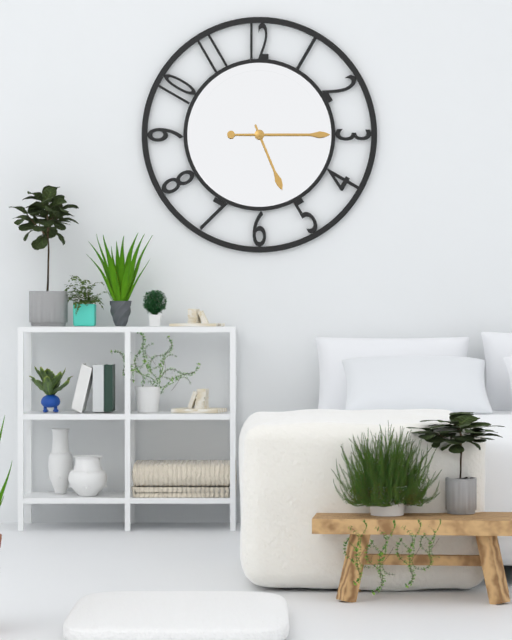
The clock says 5:15
